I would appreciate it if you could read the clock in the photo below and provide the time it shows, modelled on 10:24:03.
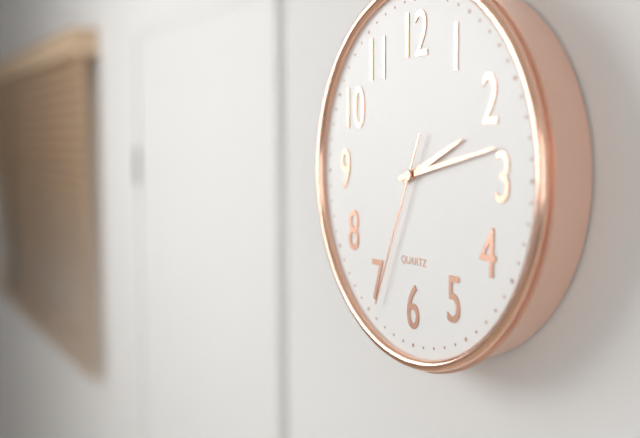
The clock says 2:13:34
